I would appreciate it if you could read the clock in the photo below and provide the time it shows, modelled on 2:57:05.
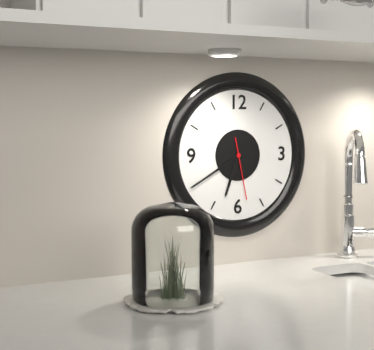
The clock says 6:40:28
